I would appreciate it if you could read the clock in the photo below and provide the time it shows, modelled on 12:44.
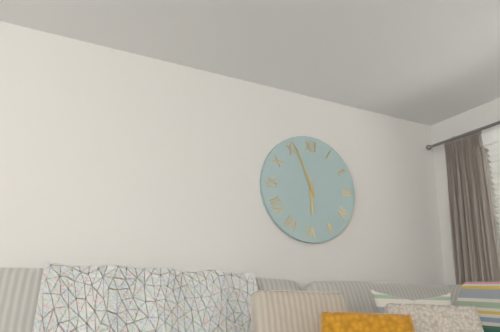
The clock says 5:56
